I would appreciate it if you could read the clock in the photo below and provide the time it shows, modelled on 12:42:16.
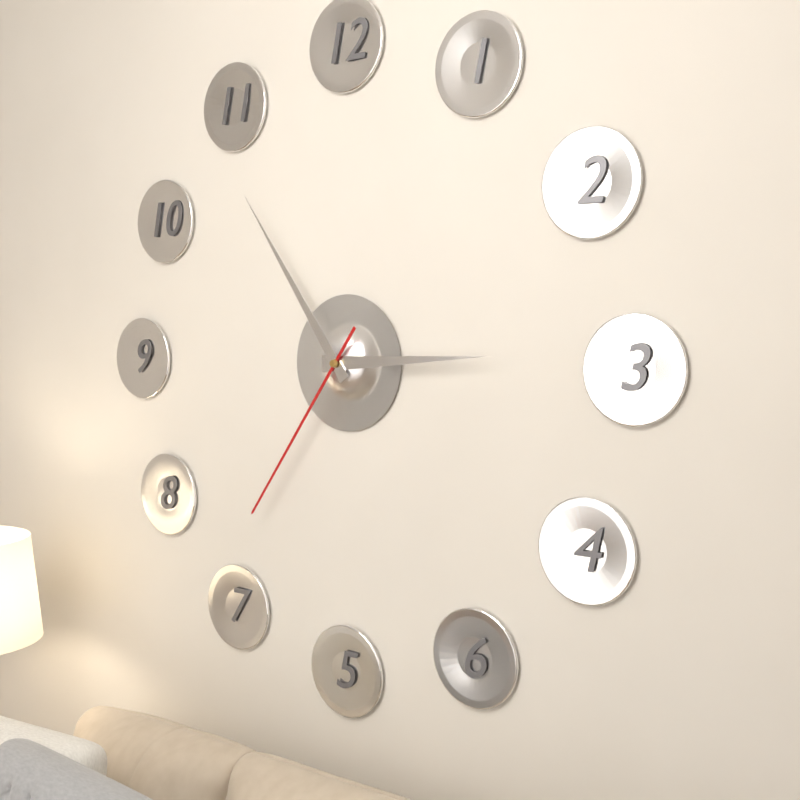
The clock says 2:54:36
